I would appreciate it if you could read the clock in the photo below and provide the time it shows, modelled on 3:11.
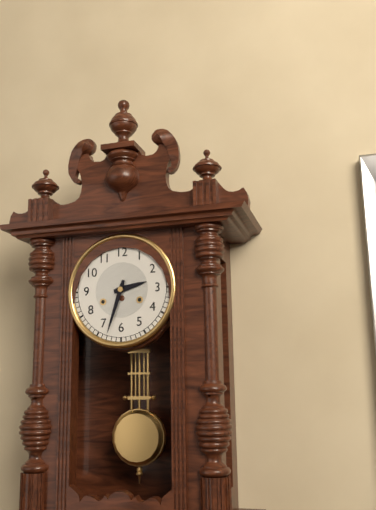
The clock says 2:33
